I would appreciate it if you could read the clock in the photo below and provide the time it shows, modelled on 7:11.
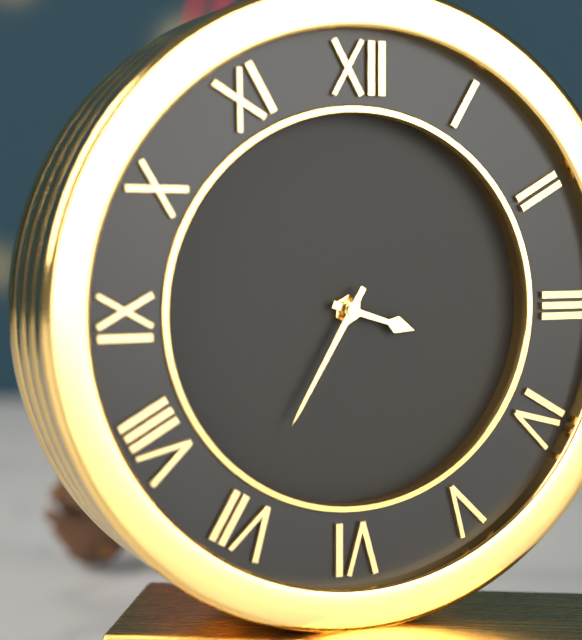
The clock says 3:35
